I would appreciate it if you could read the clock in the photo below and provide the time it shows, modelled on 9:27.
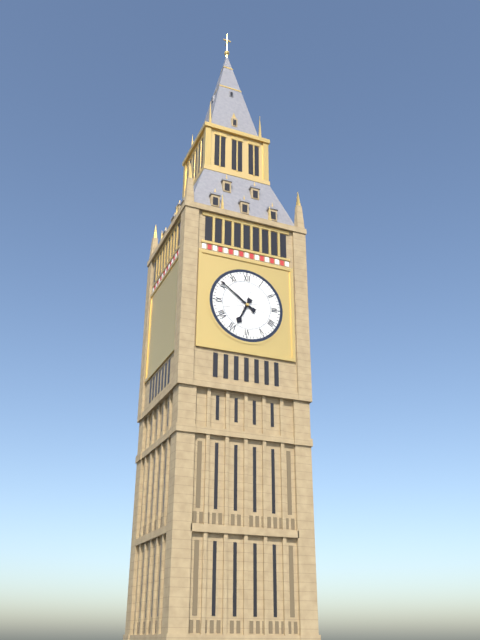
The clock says 6:51
